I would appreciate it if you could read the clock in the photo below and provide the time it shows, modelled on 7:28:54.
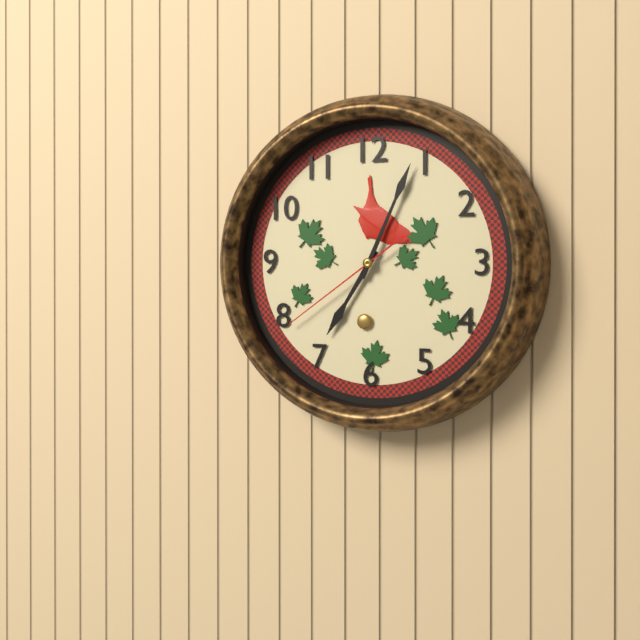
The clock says 7:04:39
